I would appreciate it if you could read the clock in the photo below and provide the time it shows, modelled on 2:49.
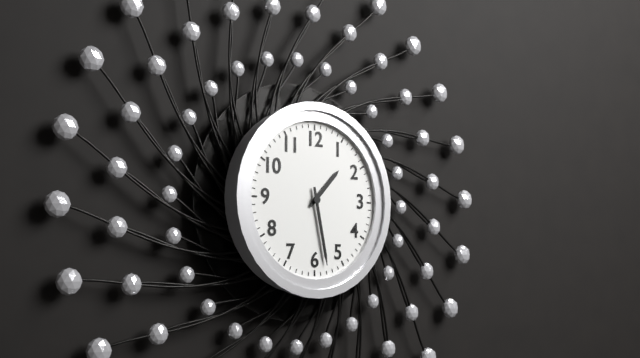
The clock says 1:28
